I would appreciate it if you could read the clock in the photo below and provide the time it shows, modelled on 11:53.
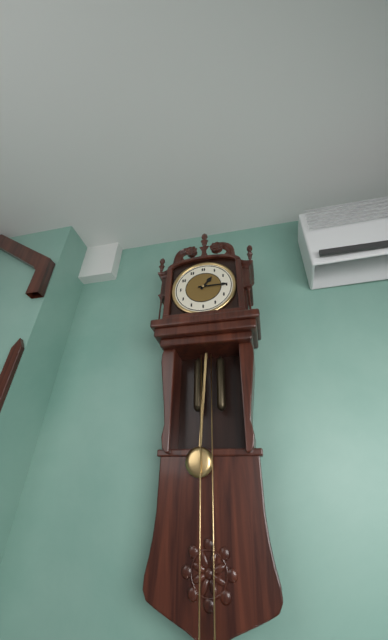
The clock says 1:15
